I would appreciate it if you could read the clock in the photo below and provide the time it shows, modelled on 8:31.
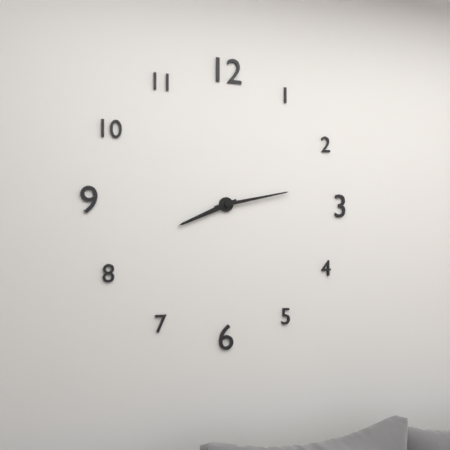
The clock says 8:13
